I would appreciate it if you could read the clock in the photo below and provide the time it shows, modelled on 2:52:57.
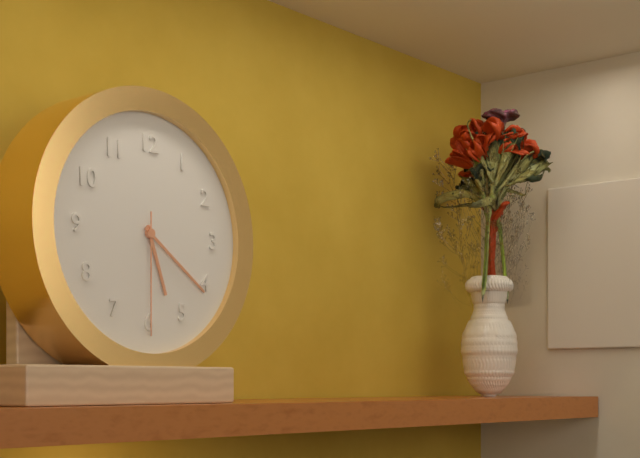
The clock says 5:21:30
